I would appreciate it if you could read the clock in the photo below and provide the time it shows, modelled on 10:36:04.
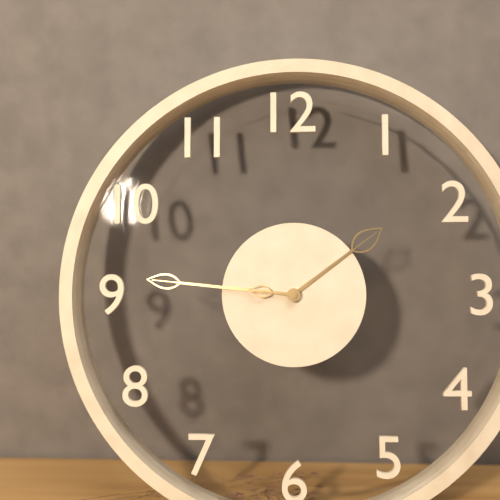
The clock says 1:46:46
